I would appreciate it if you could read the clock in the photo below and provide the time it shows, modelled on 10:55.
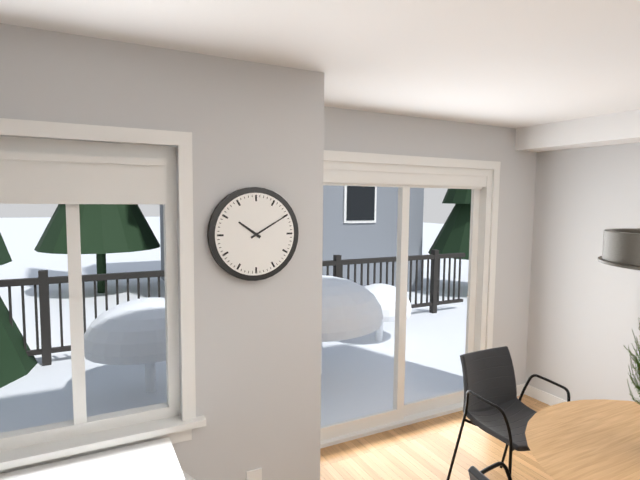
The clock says 10:10
